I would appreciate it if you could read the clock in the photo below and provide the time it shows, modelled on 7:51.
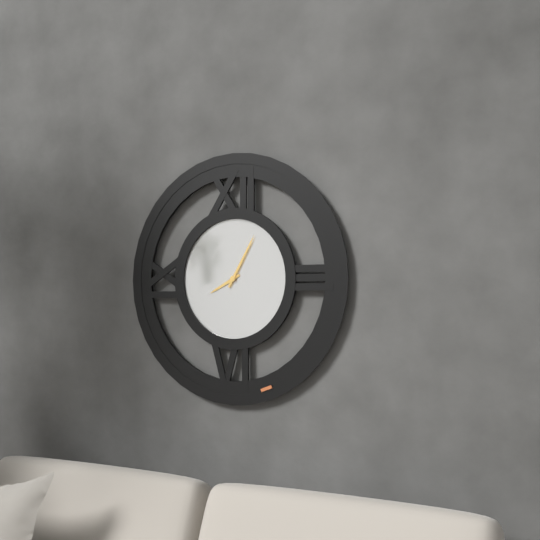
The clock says 8:05
